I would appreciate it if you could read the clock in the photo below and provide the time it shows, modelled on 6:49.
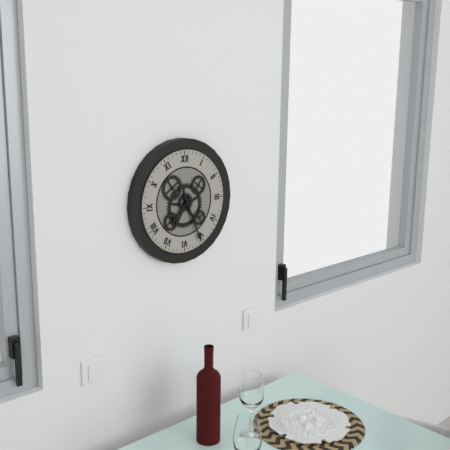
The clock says 7:26
